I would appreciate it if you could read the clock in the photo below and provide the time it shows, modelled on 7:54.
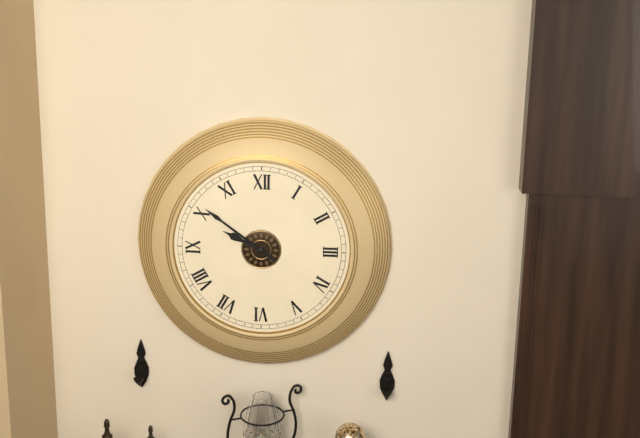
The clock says 9:51
